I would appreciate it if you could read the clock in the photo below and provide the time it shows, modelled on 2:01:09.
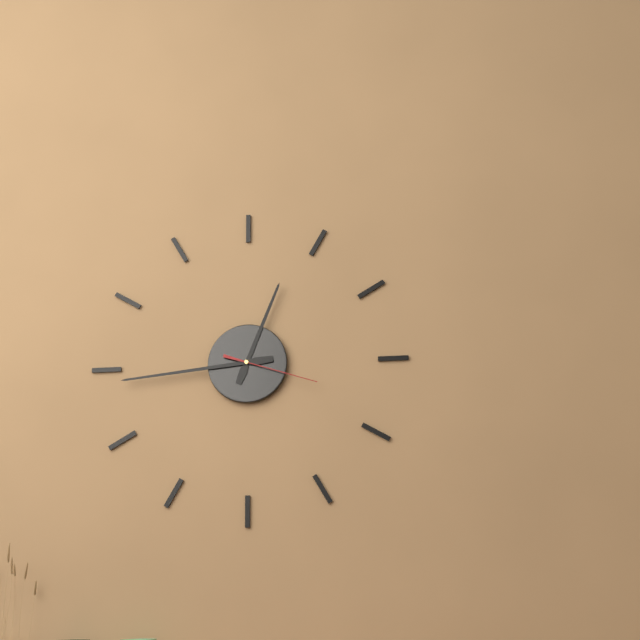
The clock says 12:44:18
